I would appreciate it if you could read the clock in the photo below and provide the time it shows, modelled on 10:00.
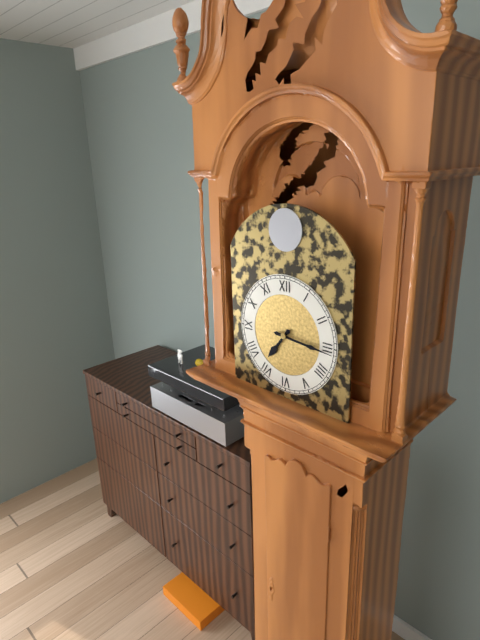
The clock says 7:16
